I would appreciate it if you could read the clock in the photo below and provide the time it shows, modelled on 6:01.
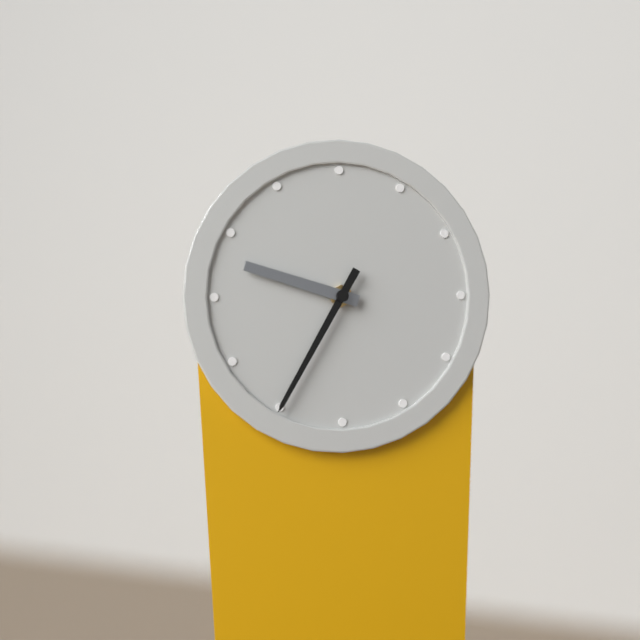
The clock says 9:35
